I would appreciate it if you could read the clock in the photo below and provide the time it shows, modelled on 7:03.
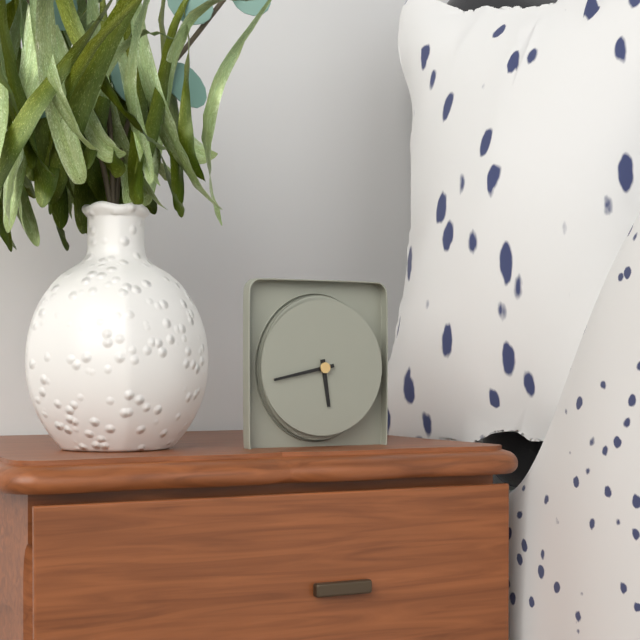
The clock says 5:43
